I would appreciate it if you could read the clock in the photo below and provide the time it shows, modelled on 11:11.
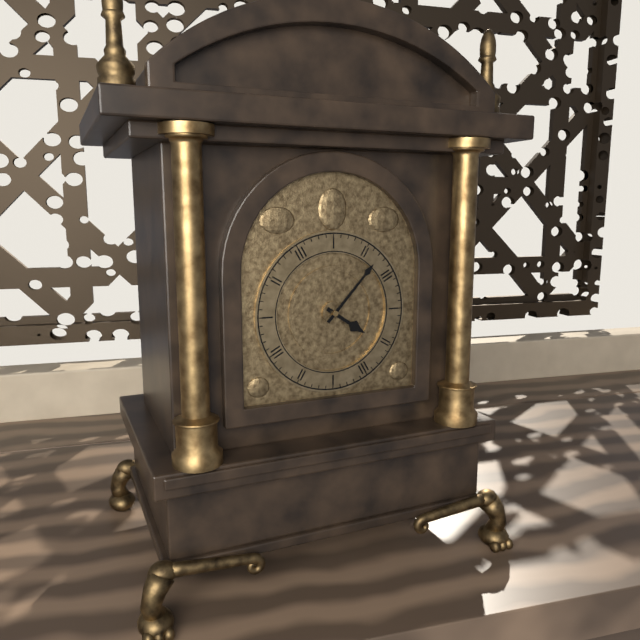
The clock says 4:07
